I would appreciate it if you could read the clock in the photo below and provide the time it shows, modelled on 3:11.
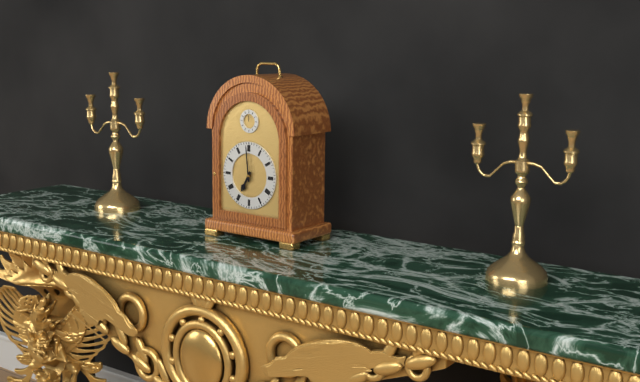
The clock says 6:59
